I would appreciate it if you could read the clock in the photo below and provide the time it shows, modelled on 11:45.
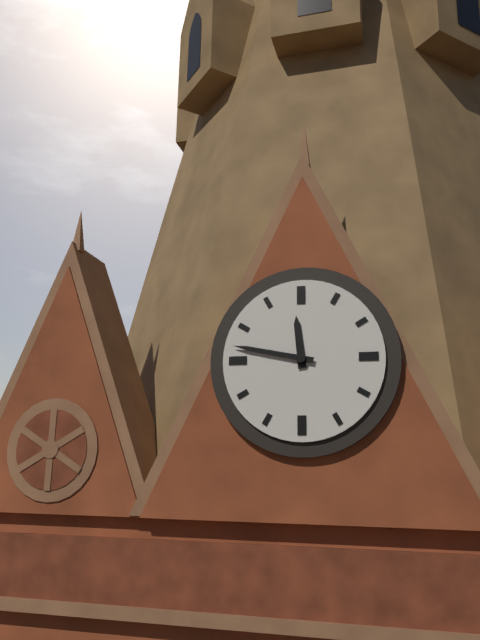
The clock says 11:47
